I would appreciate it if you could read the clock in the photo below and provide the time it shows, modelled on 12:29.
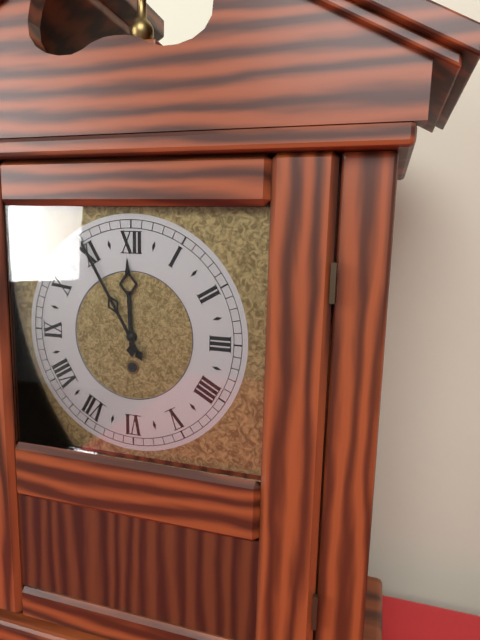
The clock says 11:55
